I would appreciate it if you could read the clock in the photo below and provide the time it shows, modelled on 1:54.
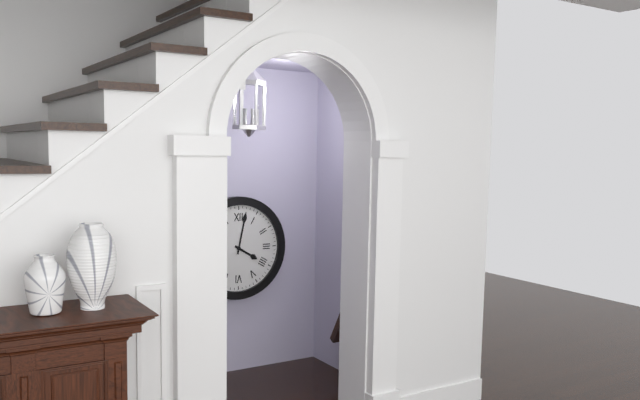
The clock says 4:02
